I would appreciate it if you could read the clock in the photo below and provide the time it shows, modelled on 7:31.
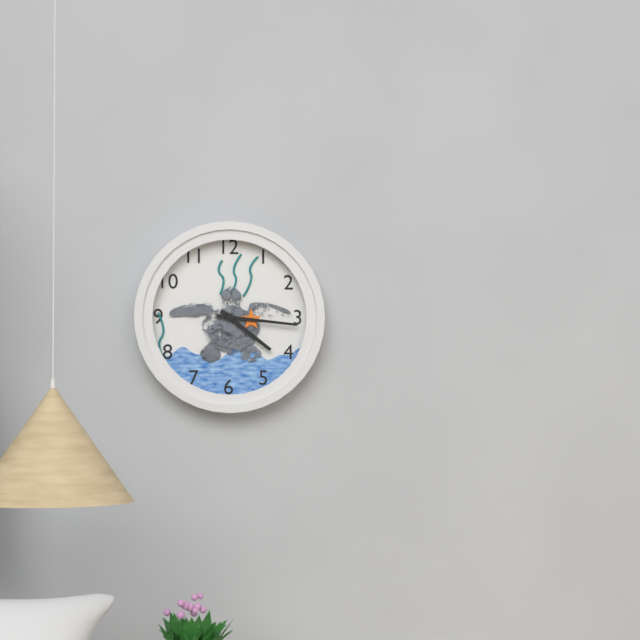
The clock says 4:16
